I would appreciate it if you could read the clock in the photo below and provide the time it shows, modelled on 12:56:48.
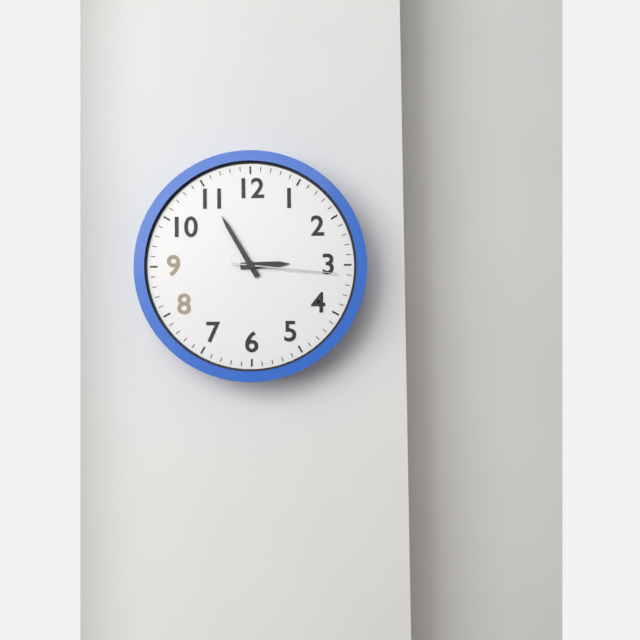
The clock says 2:55:16
